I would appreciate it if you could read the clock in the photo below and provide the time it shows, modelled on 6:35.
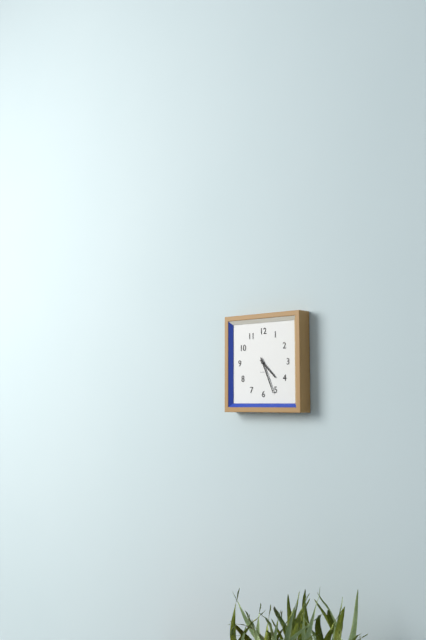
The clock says 4:26
